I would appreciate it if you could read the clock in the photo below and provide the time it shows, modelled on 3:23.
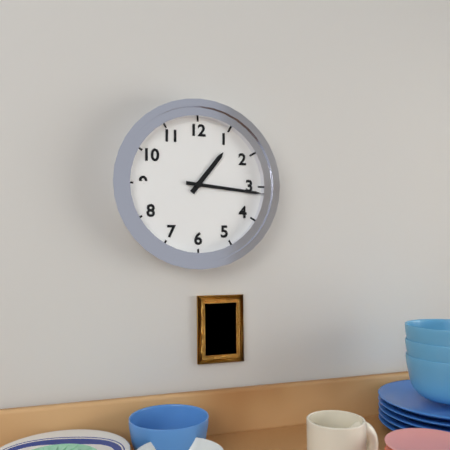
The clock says 1:16
